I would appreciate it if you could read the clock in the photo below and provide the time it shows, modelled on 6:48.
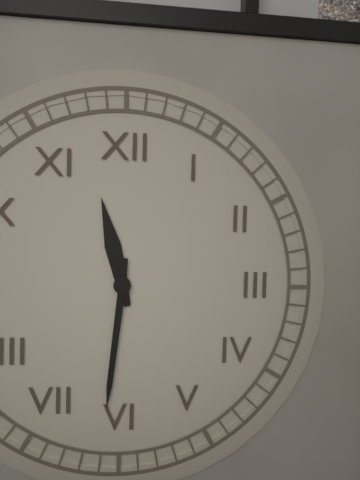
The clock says 11:31
